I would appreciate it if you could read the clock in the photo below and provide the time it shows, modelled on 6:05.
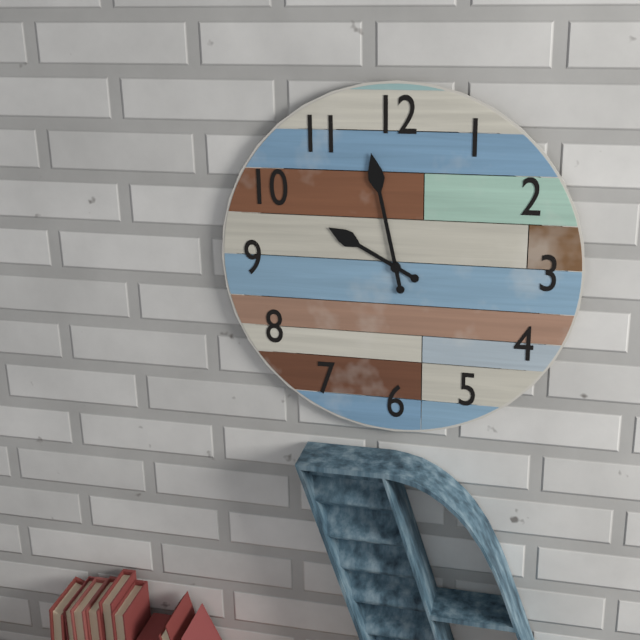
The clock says 9:58
